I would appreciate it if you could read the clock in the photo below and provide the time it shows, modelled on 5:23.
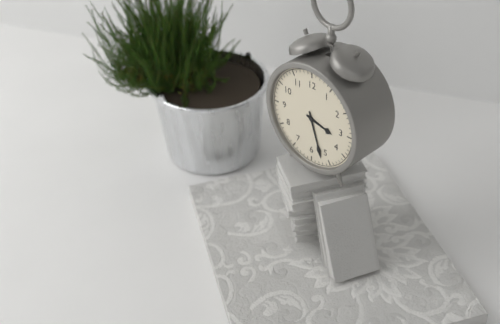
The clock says 3:27
